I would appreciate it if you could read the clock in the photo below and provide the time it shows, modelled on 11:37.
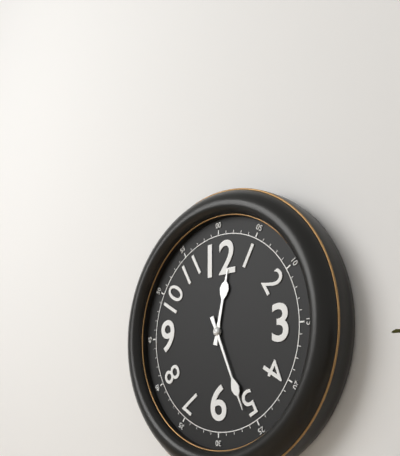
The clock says 12:26
